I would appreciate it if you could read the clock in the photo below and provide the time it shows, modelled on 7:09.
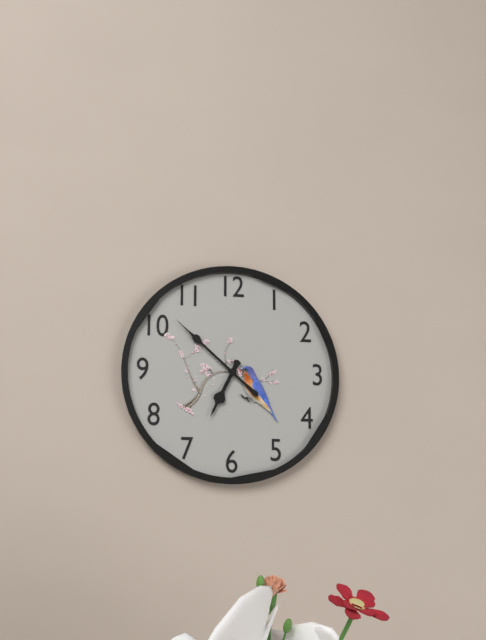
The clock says 6:52
